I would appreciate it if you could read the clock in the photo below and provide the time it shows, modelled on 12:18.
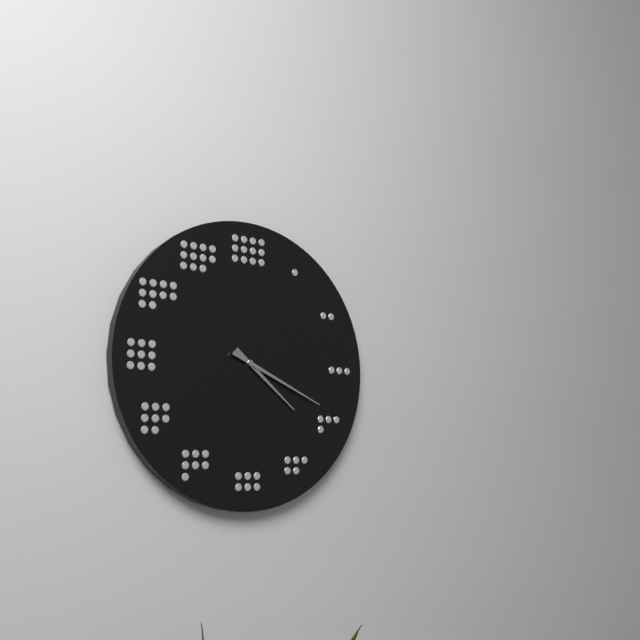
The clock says 4:19
